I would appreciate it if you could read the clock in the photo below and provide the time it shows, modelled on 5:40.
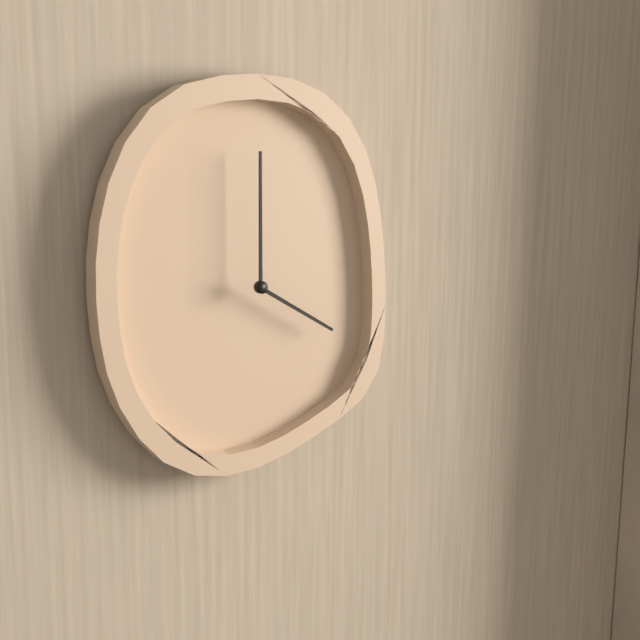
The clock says 4:00
